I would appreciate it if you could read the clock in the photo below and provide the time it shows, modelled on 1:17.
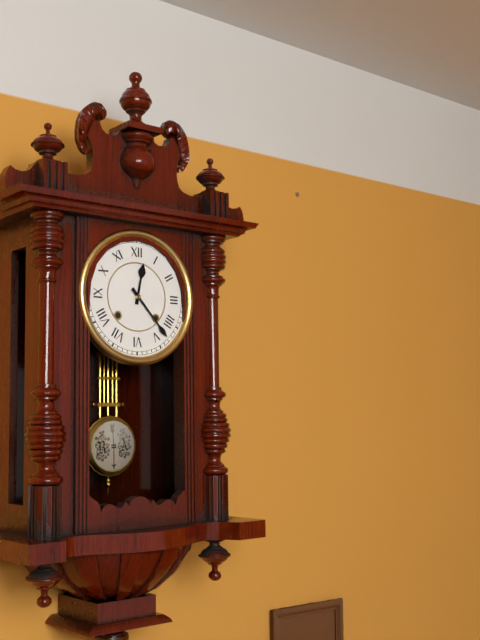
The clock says 12:23
